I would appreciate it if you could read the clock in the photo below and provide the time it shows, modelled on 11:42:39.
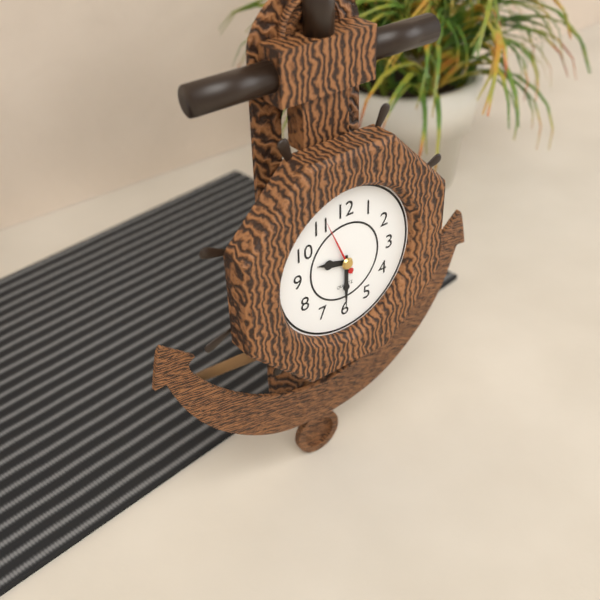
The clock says 9:30:56
